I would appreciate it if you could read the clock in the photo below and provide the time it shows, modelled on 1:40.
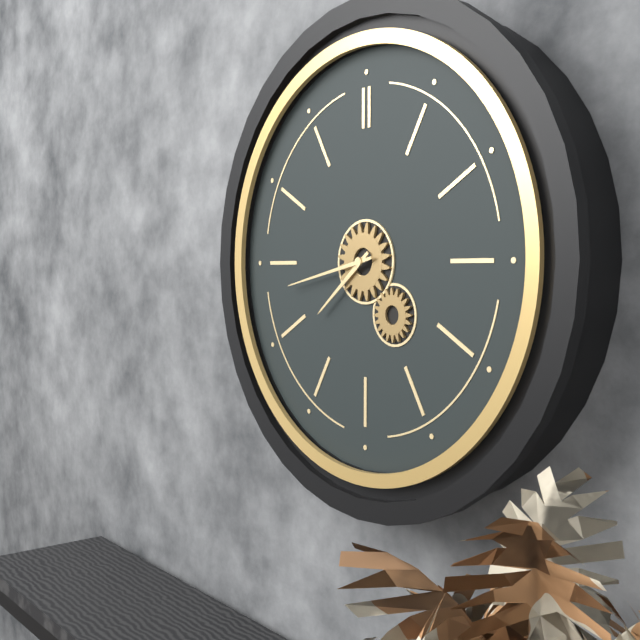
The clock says 7:43
